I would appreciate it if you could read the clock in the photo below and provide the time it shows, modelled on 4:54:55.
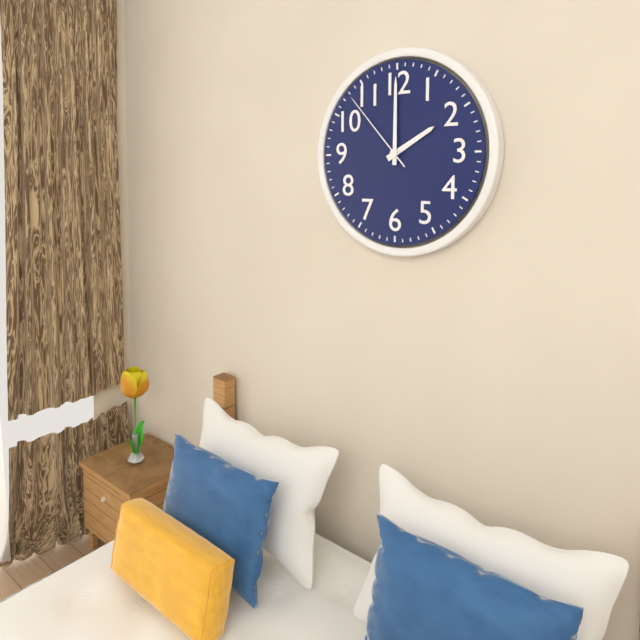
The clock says 2:00:53
